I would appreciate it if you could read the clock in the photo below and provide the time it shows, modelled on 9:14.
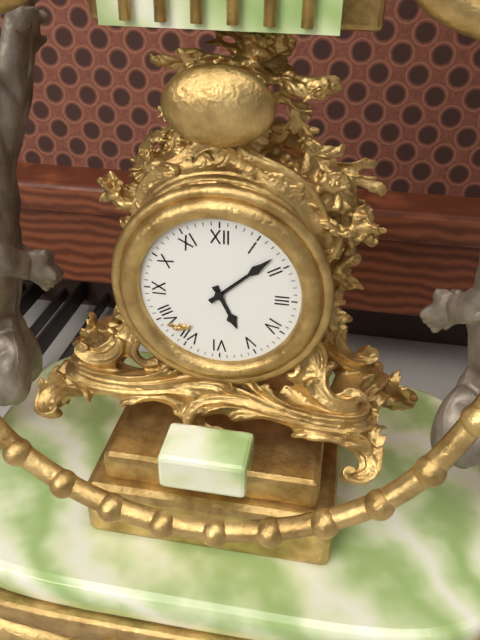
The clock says 5:08
